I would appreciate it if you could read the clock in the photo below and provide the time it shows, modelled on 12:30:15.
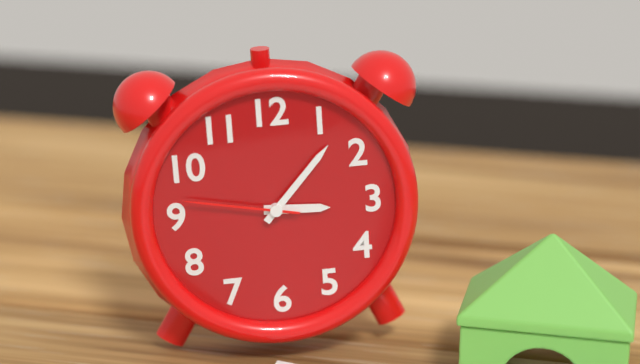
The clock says 3:07:47
